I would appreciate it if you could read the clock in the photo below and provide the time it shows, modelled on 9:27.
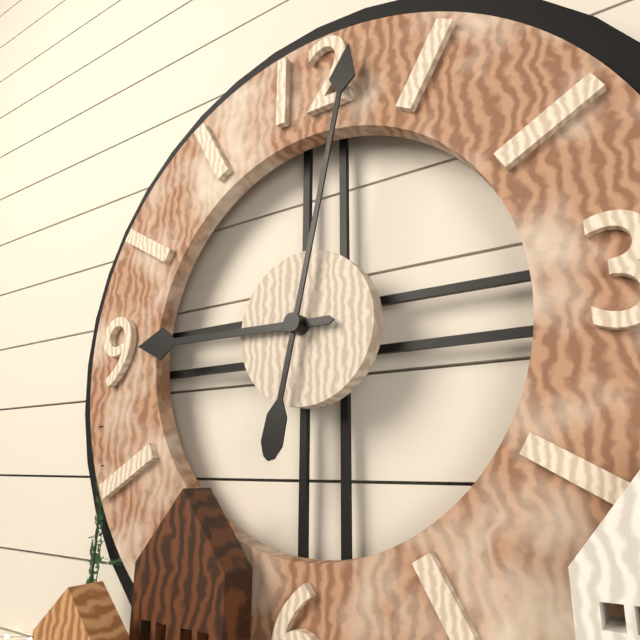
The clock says 9:02
